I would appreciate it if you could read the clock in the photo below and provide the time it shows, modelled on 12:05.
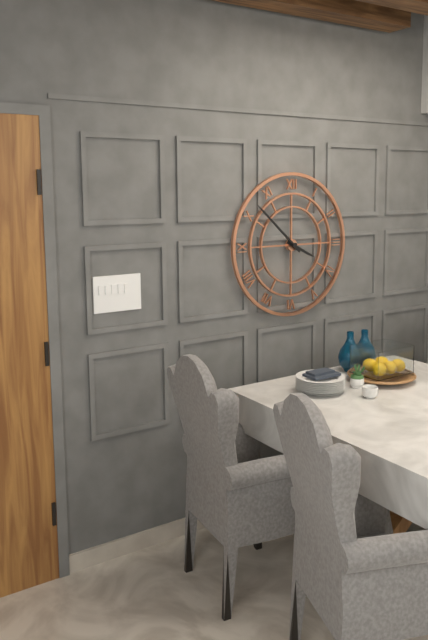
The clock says 3:52
